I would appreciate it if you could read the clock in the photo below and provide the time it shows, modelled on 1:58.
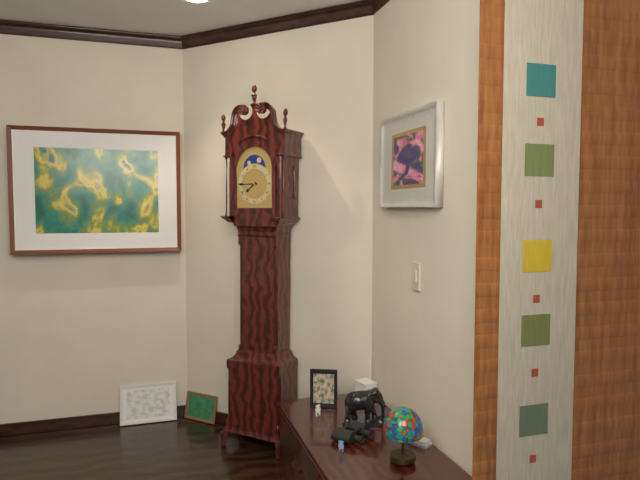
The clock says 7:45
